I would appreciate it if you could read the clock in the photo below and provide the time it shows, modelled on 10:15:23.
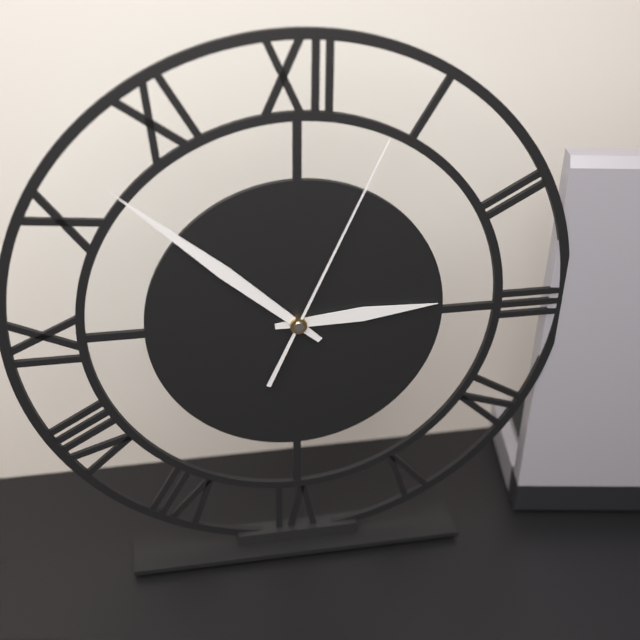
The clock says 2:52:04
